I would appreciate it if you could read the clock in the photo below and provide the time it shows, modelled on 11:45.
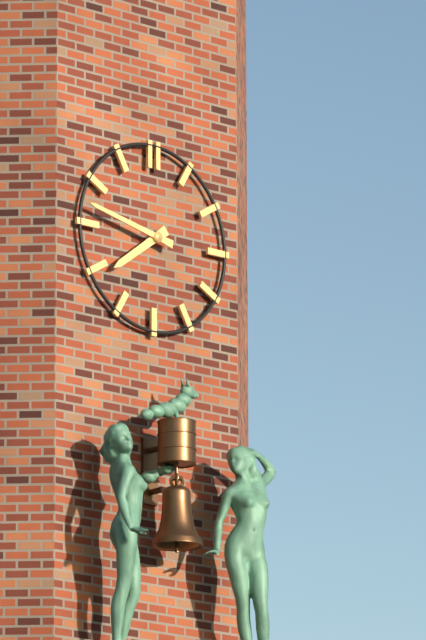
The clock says 7:47
